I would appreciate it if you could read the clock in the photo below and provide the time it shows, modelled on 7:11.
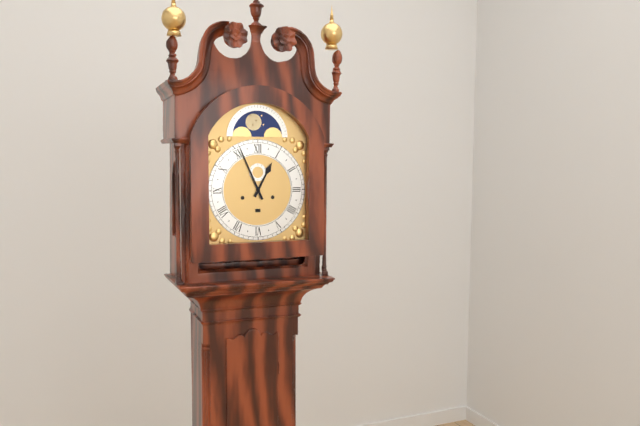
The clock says 12:56
